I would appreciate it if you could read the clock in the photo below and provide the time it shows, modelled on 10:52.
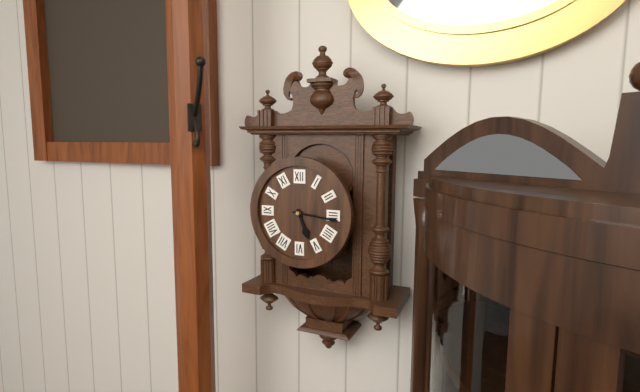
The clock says 5:16
